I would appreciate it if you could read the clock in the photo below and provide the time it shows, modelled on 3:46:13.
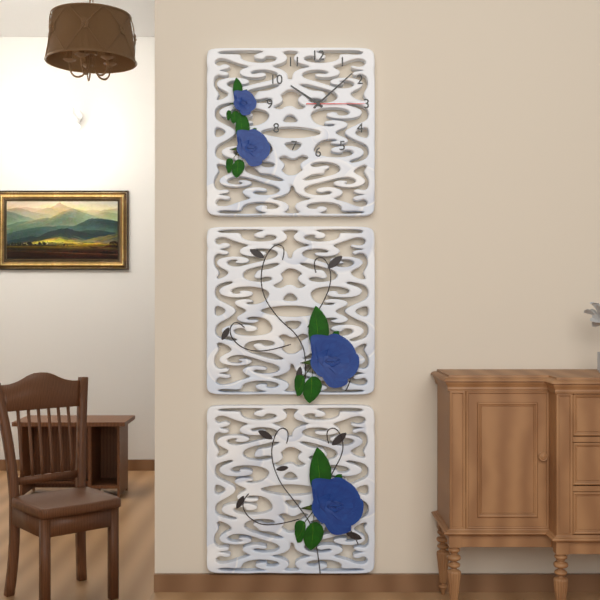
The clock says 10:08:15
